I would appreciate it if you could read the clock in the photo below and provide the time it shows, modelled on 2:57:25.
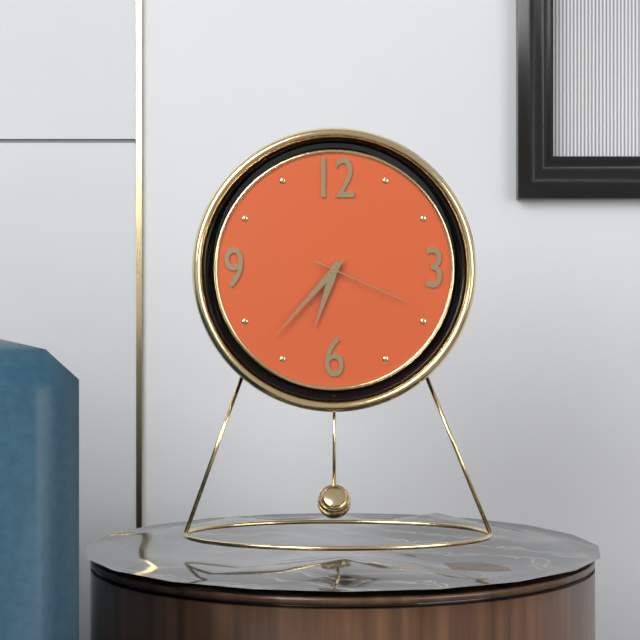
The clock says 6:37:19
